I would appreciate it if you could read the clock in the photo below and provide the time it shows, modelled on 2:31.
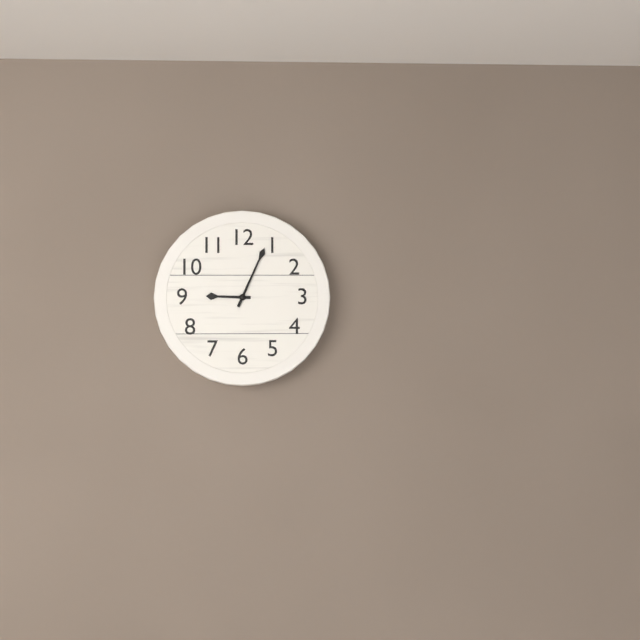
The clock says 9:04
